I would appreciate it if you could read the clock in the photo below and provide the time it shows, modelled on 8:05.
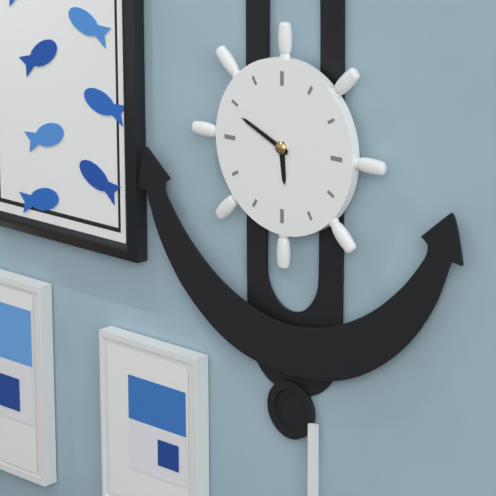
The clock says 5:49
